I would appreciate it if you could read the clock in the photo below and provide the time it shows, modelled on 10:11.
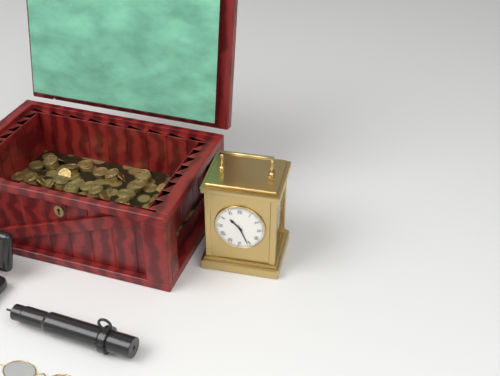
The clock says 10:26
